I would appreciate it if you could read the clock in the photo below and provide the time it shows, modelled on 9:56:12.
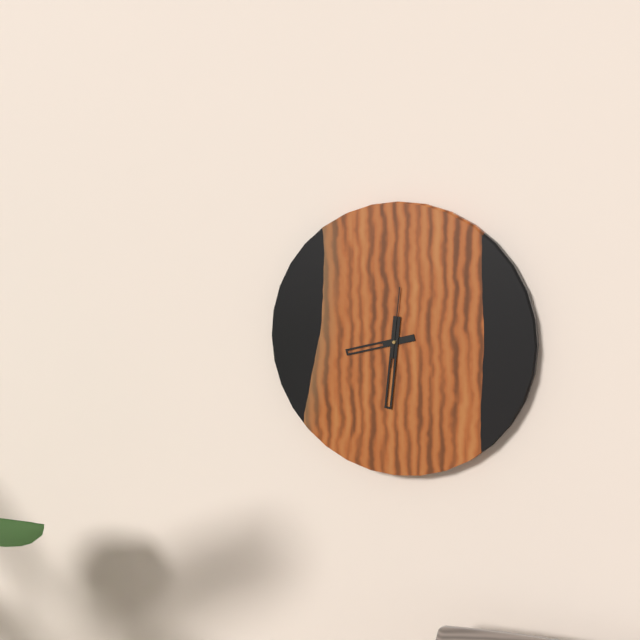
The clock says 8:31:01
